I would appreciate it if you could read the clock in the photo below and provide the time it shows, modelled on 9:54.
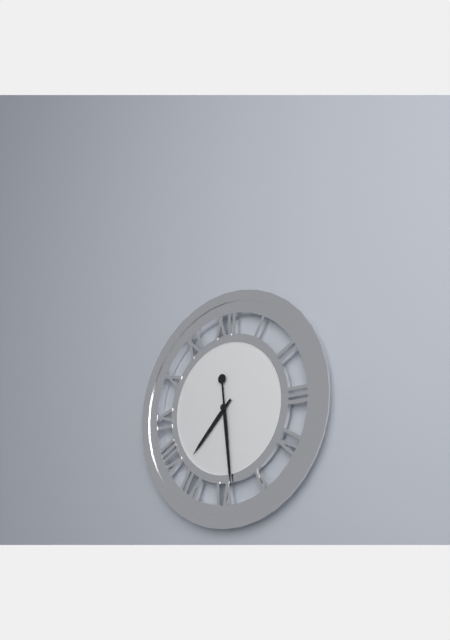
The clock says 7:29
